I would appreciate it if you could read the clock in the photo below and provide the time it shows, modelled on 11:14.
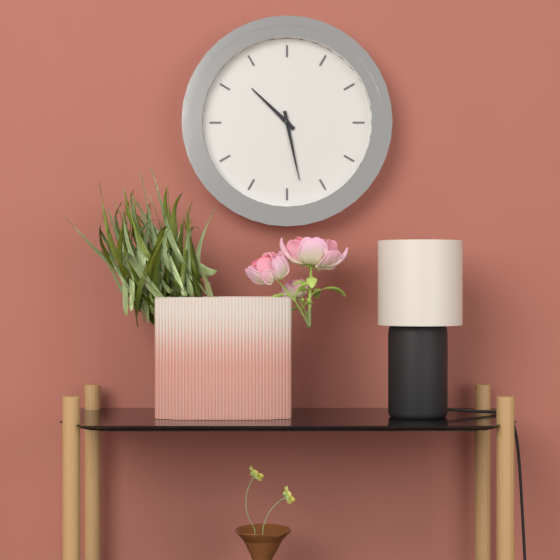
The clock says 10:28
